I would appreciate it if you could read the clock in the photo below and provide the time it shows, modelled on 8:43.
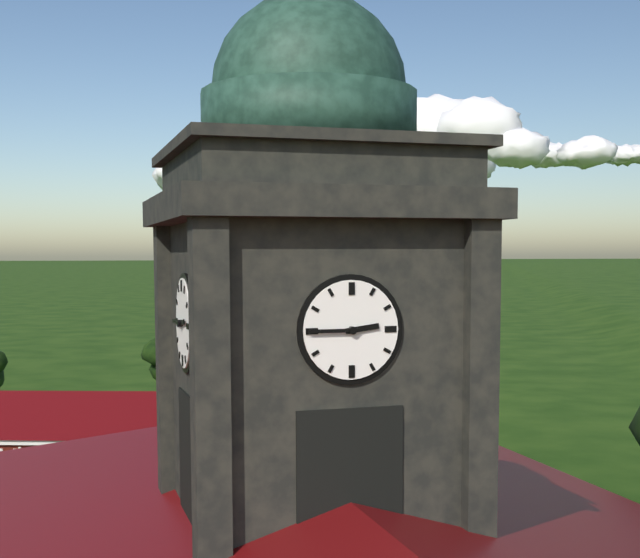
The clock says 2:45
